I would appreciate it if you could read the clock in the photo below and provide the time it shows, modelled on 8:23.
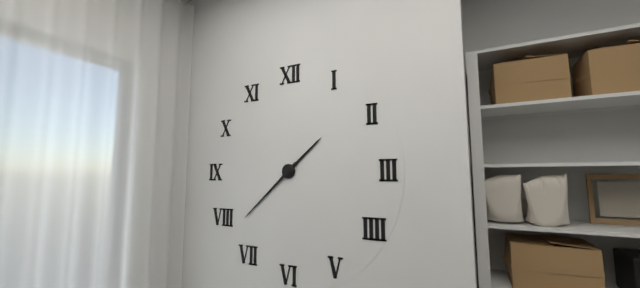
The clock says 1:38
